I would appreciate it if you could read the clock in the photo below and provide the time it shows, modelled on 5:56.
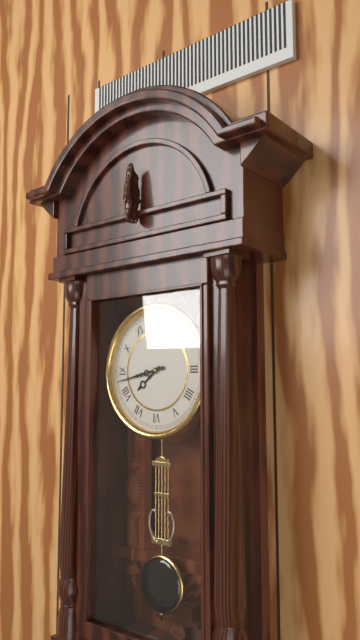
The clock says 7:43
